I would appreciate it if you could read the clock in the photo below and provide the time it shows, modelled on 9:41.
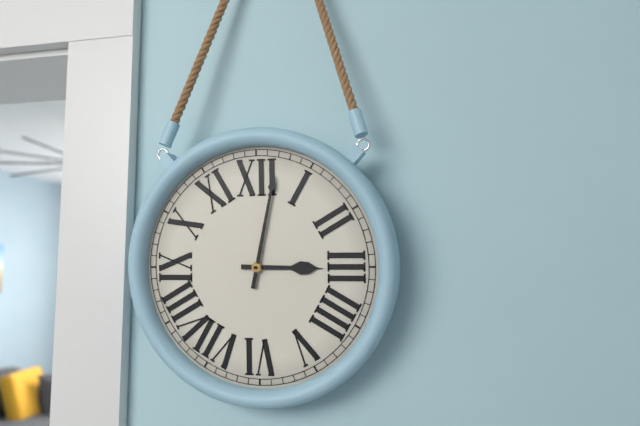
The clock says 3:02
